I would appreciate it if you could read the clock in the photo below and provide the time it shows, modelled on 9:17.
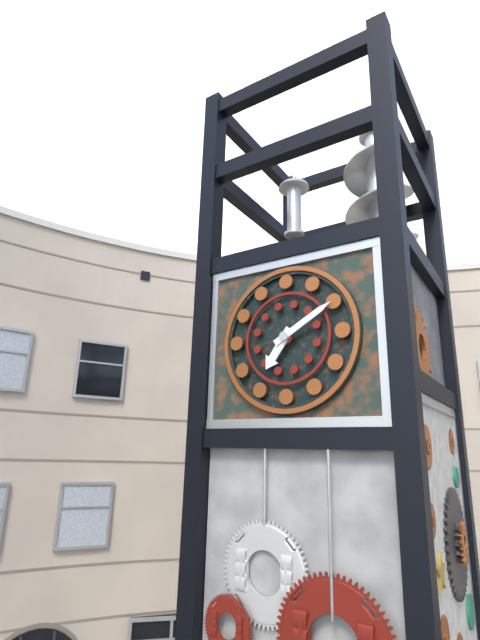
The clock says 7:10
